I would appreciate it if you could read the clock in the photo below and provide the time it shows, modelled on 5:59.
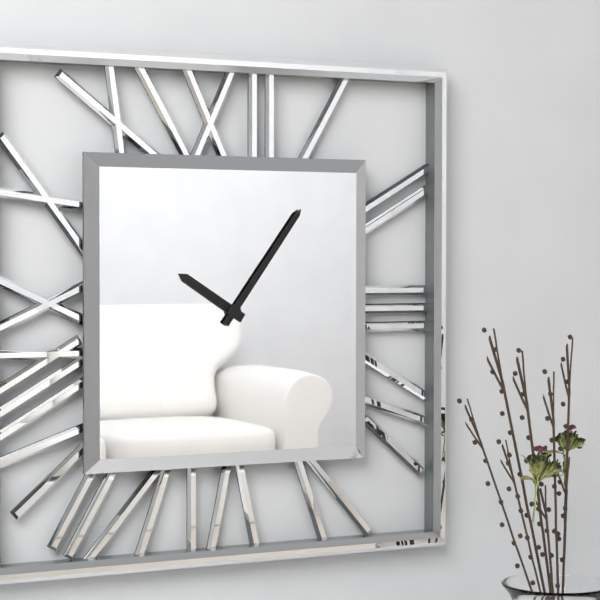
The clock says 10:06
